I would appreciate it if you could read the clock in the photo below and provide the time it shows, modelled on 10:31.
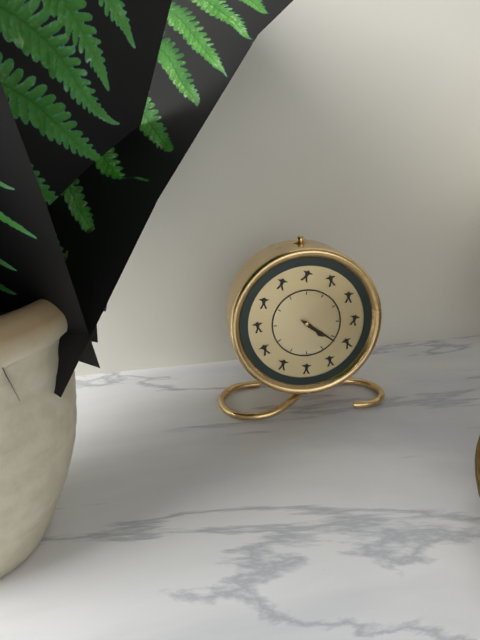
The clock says 4:21
